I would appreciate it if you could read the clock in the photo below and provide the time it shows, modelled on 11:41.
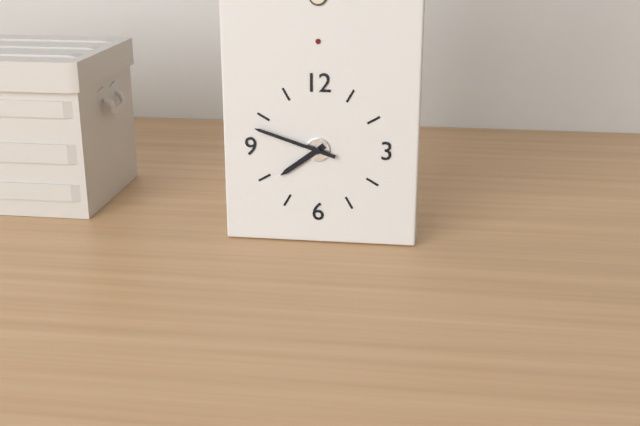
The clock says 7:48
